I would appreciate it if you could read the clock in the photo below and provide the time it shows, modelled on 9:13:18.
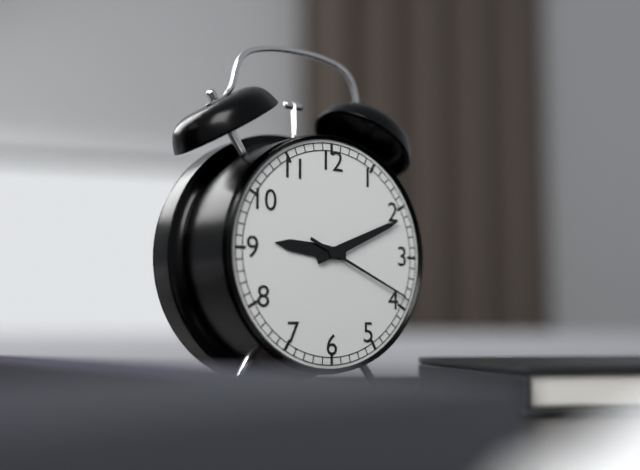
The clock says 9:11:19
